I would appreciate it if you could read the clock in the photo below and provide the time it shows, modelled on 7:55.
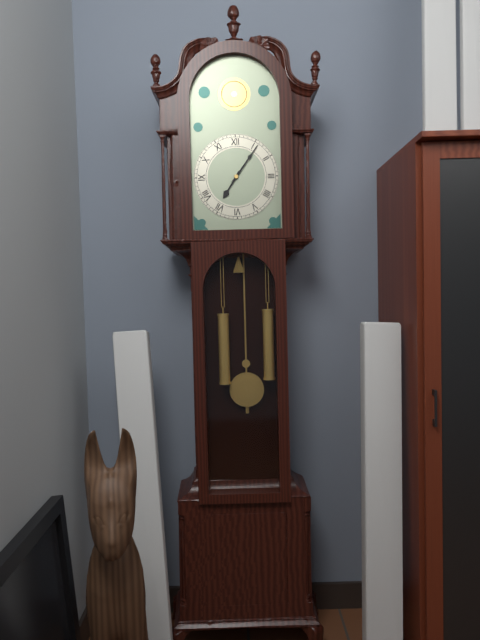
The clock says 7:06
